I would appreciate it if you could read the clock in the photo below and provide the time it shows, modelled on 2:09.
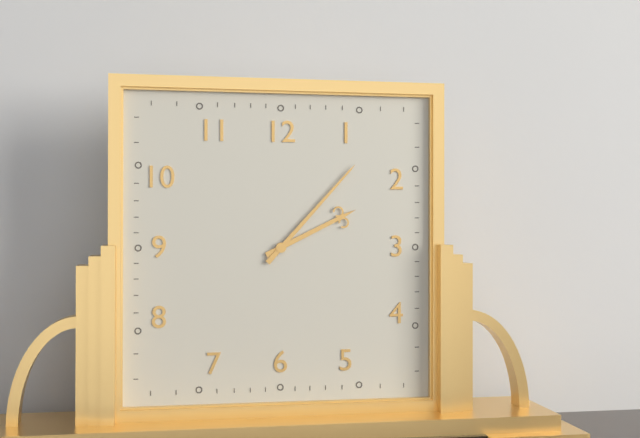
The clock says 2:07
